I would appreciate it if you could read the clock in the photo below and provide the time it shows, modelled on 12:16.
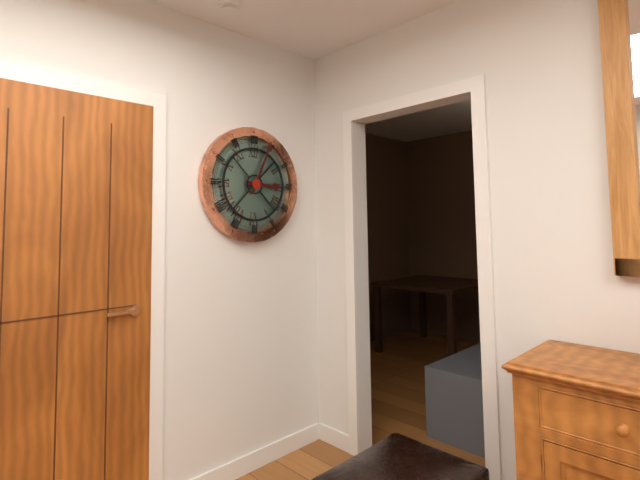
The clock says 3:04
